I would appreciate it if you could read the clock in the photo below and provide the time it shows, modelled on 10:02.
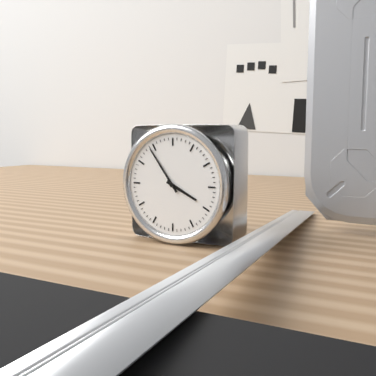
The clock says 3:54
